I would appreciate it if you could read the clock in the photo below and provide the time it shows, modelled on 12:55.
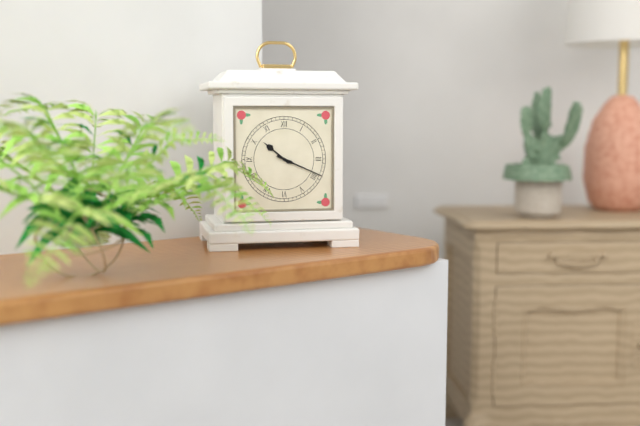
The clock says 10:19
